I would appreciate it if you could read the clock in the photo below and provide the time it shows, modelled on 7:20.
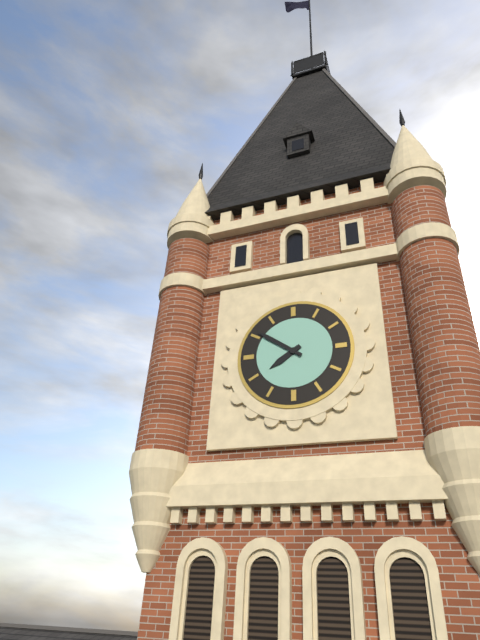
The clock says 7:51
